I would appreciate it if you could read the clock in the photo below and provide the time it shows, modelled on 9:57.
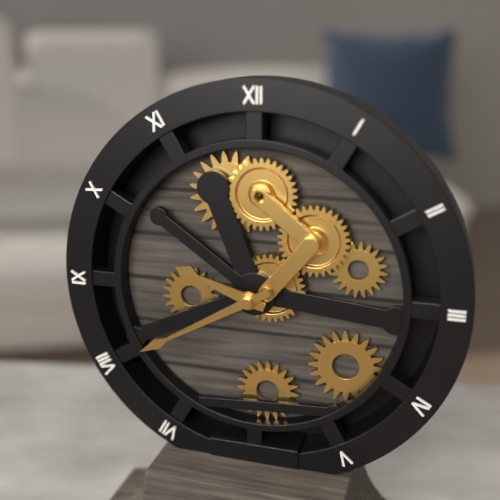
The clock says 9:40
